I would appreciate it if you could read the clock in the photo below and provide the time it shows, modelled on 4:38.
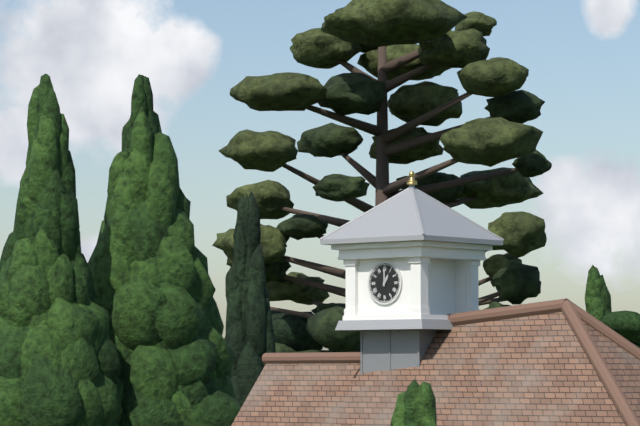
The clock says 1:00
